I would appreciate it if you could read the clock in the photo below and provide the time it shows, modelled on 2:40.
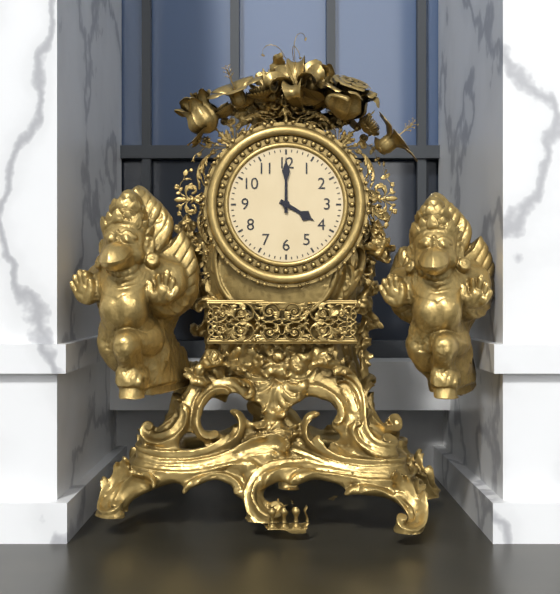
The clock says 4:00
